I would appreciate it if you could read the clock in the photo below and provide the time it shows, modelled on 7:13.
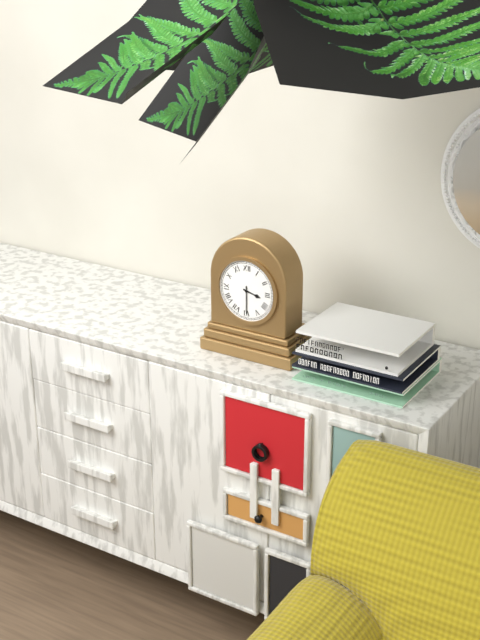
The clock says 3:30
